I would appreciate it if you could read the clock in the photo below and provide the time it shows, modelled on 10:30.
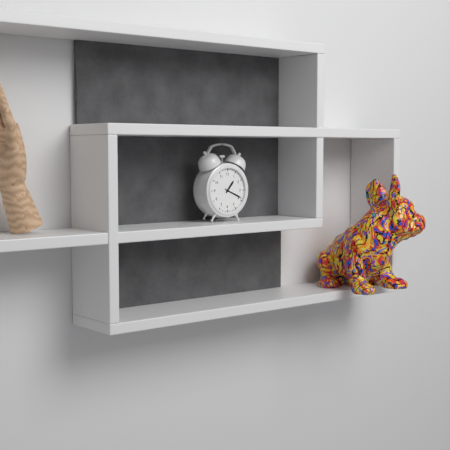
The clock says 1:19
